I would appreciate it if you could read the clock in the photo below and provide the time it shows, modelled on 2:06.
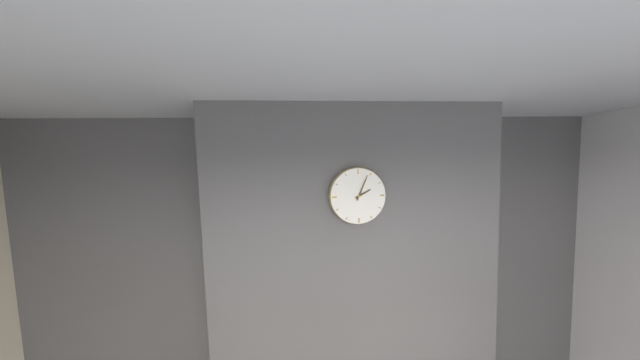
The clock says 2:04
